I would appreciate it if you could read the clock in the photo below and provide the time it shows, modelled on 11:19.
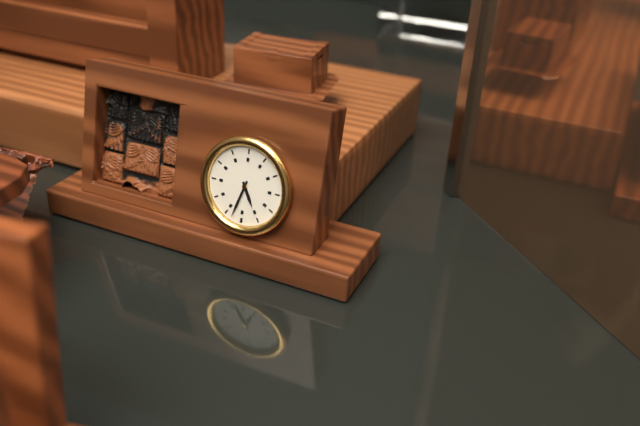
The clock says 11:03
